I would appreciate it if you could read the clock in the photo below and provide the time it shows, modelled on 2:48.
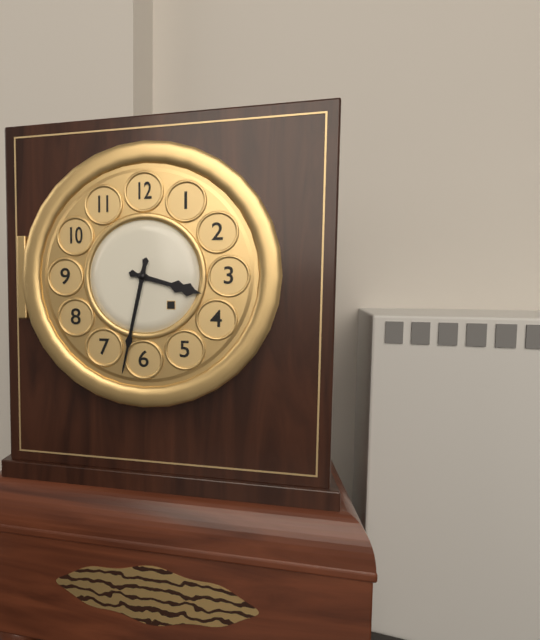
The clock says 3:32
